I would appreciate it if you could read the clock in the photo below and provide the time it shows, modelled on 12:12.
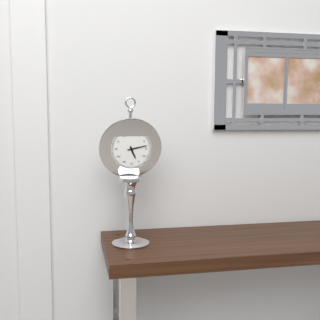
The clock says 5:13
